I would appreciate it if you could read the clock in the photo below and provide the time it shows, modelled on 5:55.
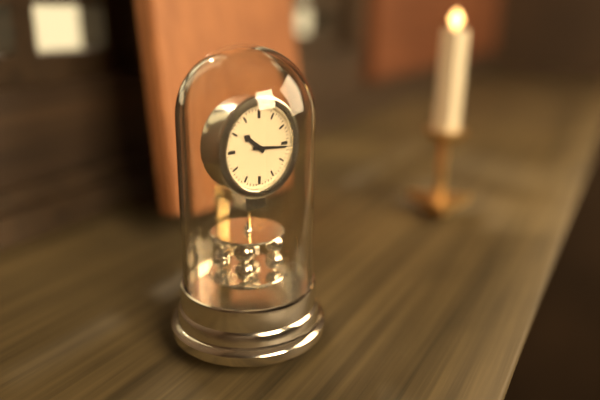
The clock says 10:16
